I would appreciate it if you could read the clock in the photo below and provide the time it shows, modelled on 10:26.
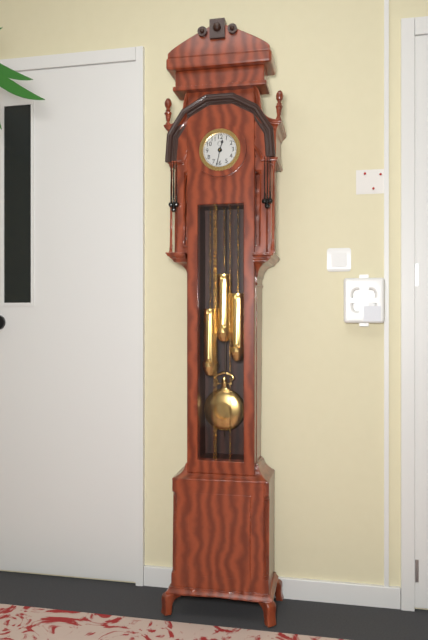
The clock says 12:32
